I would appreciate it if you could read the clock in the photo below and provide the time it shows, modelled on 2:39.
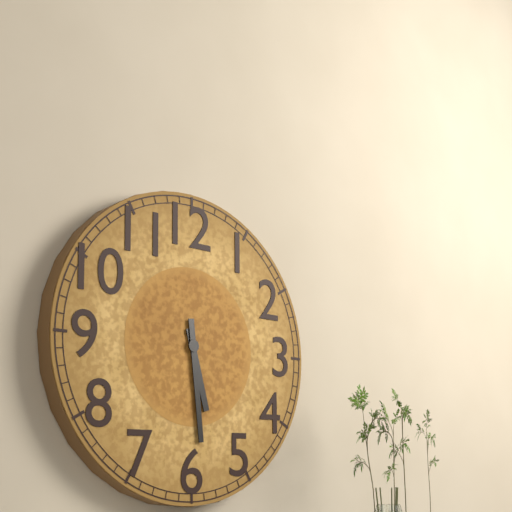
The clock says 5:29
